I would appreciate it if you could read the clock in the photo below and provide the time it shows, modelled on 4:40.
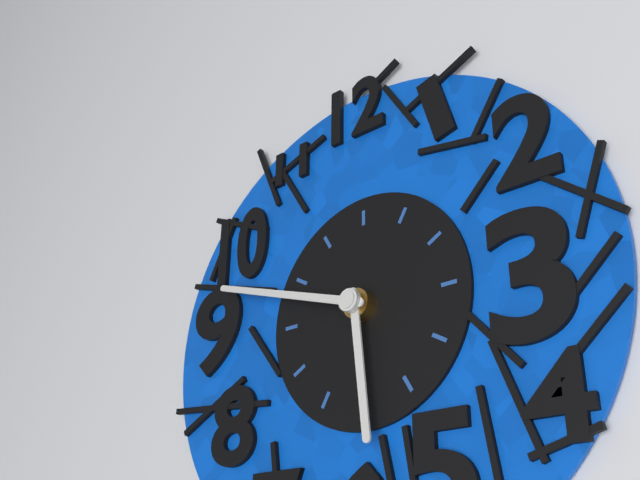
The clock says 5:48
